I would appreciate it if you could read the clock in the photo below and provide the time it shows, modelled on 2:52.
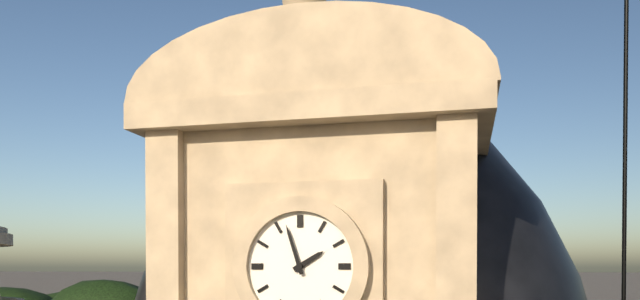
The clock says 1:57
